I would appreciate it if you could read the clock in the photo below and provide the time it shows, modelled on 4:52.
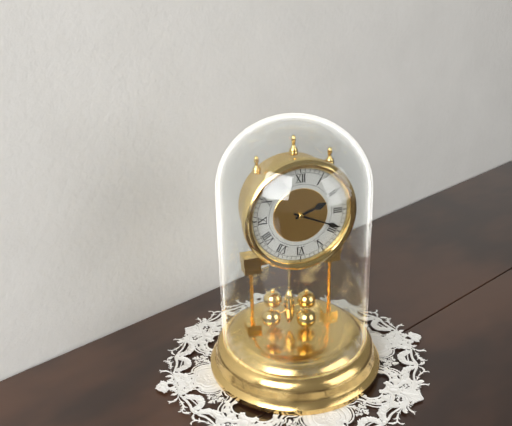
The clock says 2:19
